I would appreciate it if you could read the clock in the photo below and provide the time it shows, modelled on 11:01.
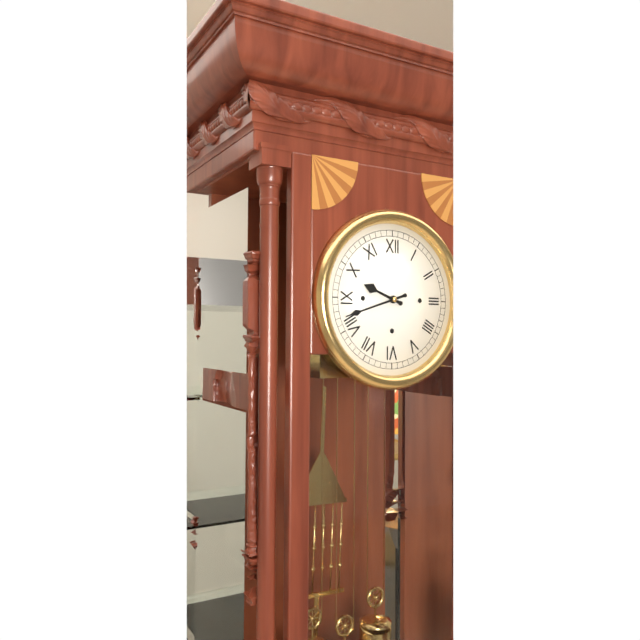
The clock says 9:42
